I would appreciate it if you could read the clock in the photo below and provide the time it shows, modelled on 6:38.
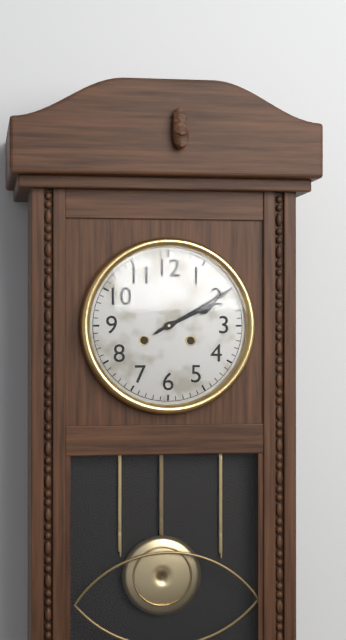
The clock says 2:10
